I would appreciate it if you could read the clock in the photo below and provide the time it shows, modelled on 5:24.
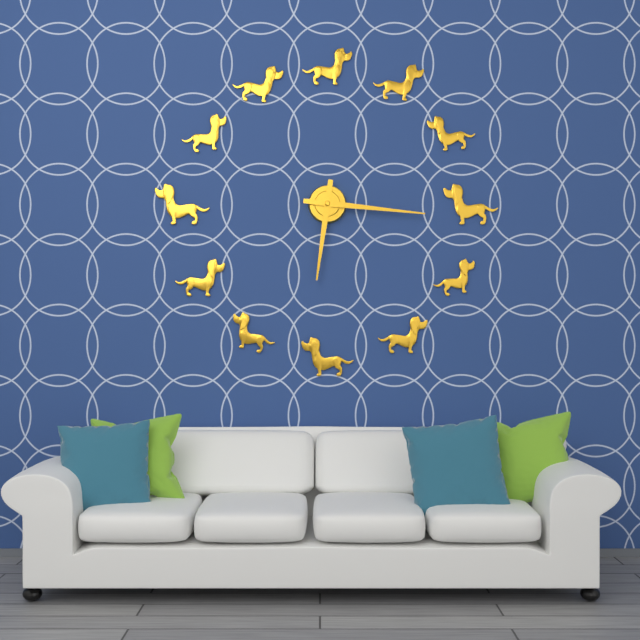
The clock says 6:16
